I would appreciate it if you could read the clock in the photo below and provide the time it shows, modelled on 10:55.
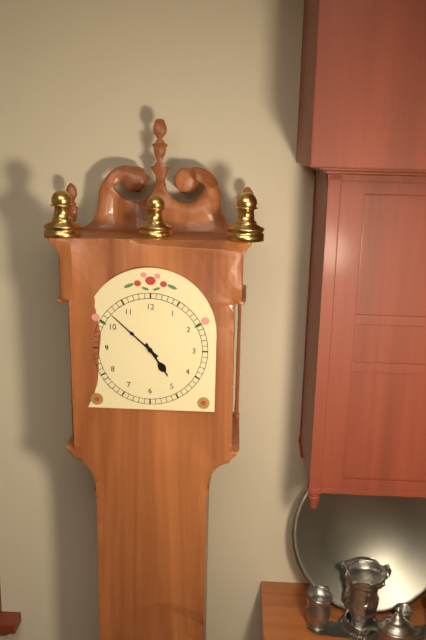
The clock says 4:52
